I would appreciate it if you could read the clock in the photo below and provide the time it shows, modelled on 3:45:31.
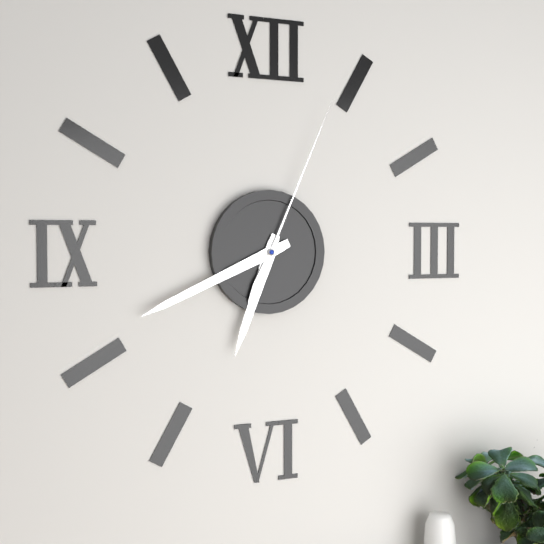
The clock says 6:41:04
